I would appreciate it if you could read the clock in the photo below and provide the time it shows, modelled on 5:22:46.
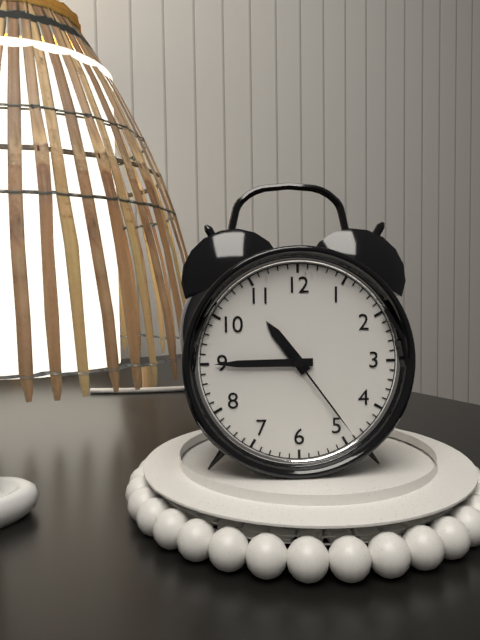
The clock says 10:45:24
